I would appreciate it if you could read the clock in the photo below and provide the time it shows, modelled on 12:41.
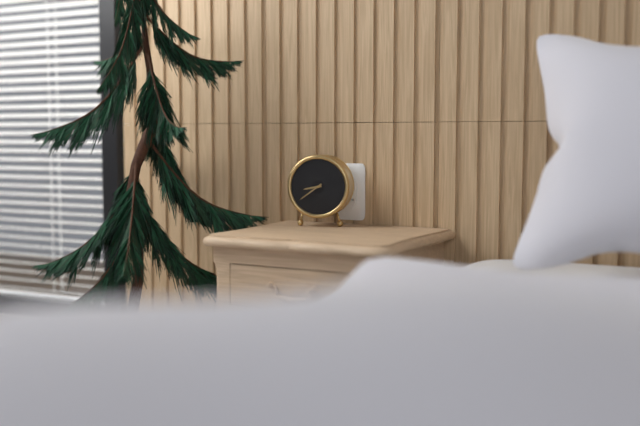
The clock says 8:39
